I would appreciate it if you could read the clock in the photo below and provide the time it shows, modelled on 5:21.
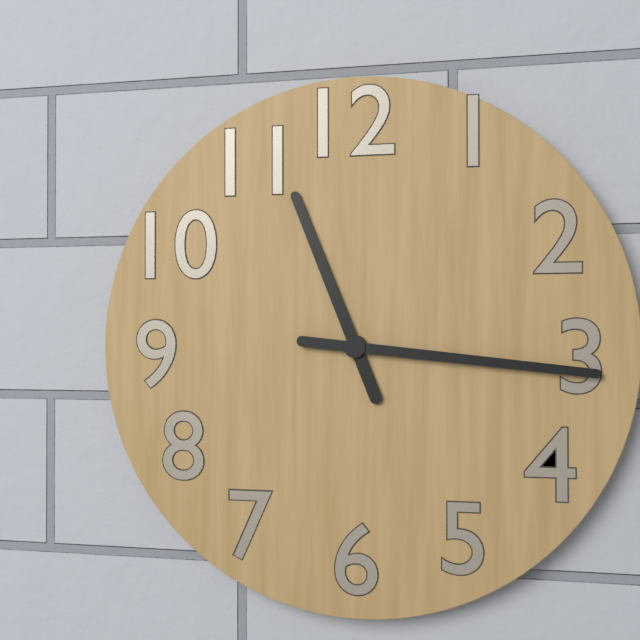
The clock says 11:16
